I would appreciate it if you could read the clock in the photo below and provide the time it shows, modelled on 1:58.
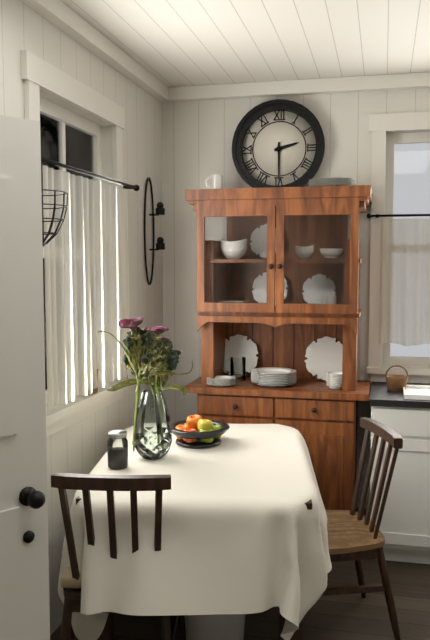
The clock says 2:30
